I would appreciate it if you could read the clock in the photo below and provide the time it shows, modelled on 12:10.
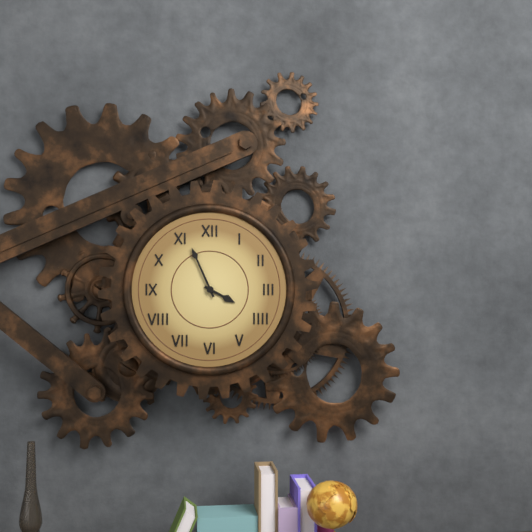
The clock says 3:56
